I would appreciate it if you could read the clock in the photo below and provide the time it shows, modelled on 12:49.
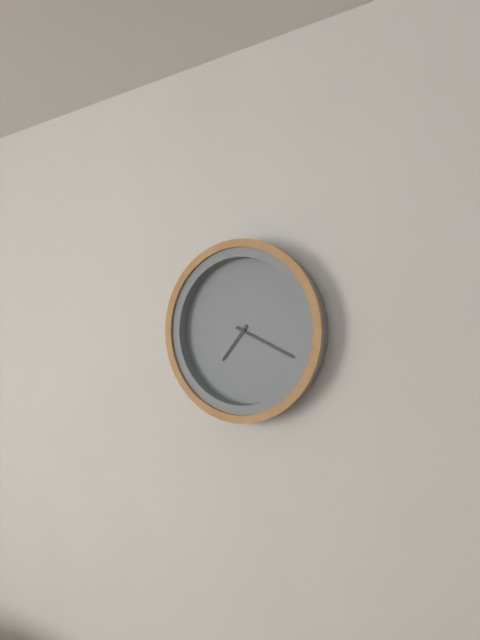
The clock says 7:19
